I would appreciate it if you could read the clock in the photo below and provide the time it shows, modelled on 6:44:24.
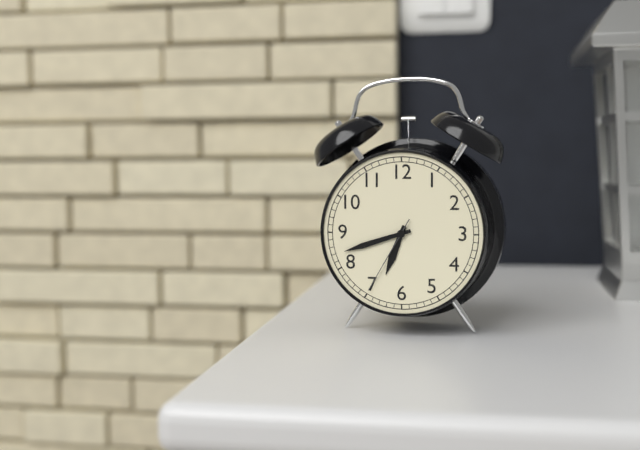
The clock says 6:42:35
